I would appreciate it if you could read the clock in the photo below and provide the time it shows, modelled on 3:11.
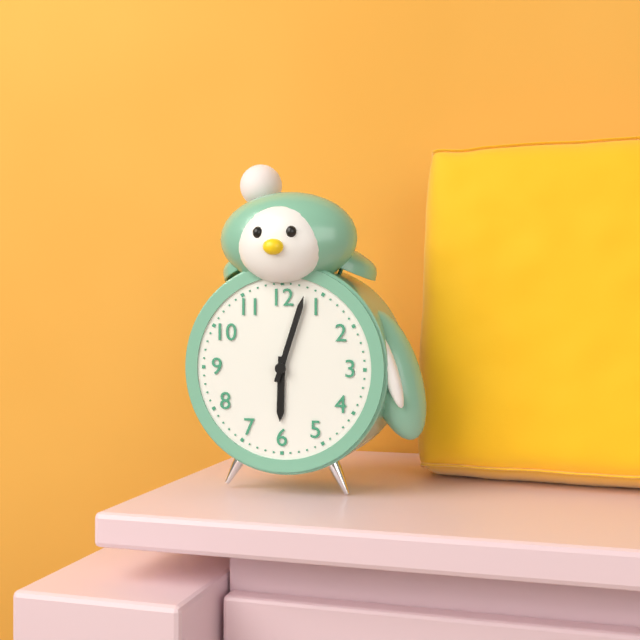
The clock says 6:03
